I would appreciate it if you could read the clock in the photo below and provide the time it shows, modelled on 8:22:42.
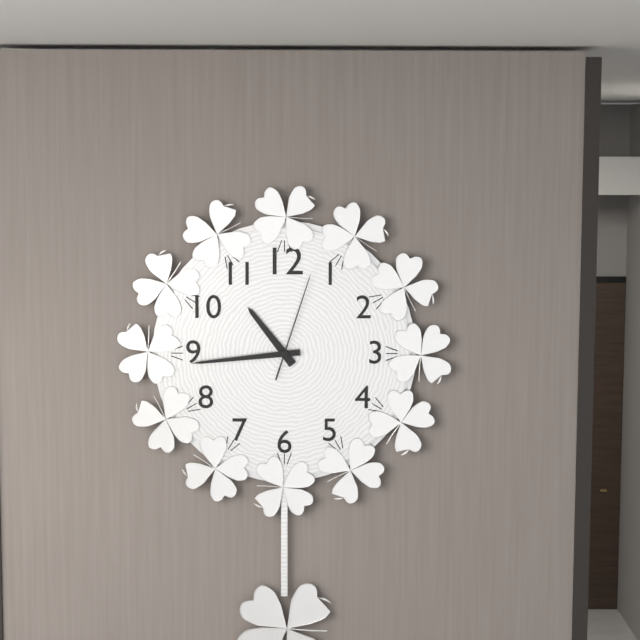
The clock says 10:44:03
